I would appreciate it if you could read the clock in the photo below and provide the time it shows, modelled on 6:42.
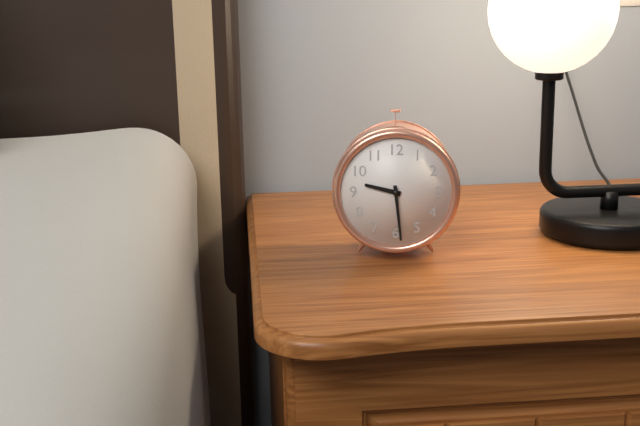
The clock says 9:29
